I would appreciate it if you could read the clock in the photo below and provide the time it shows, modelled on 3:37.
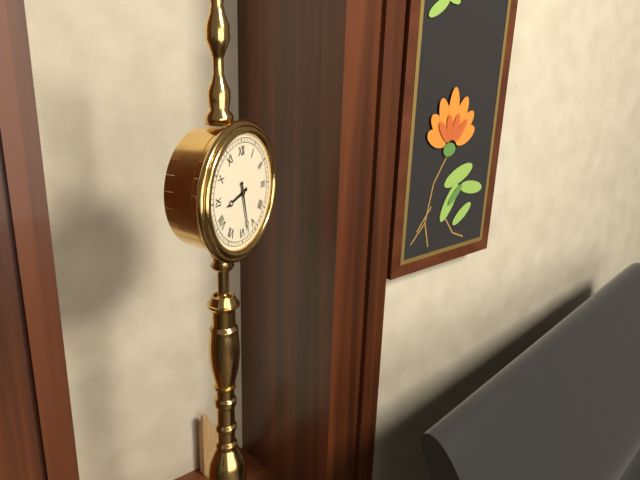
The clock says 8:28
